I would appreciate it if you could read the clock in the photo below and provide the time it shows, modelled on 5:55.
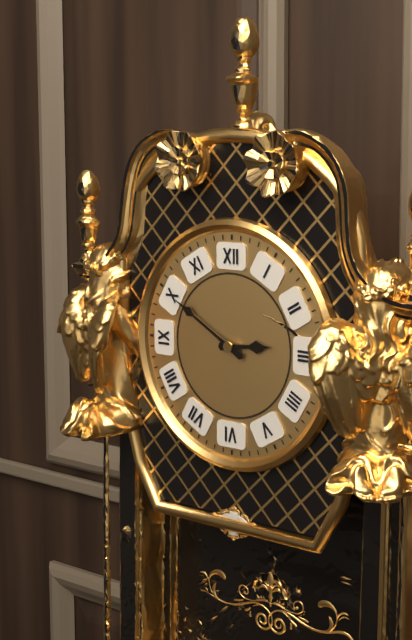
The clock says 2:50
